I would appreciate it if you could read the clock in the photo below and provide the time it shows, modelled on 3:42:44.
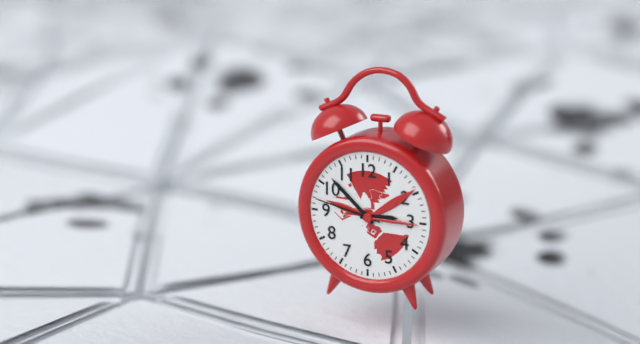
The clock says 2:52:47
